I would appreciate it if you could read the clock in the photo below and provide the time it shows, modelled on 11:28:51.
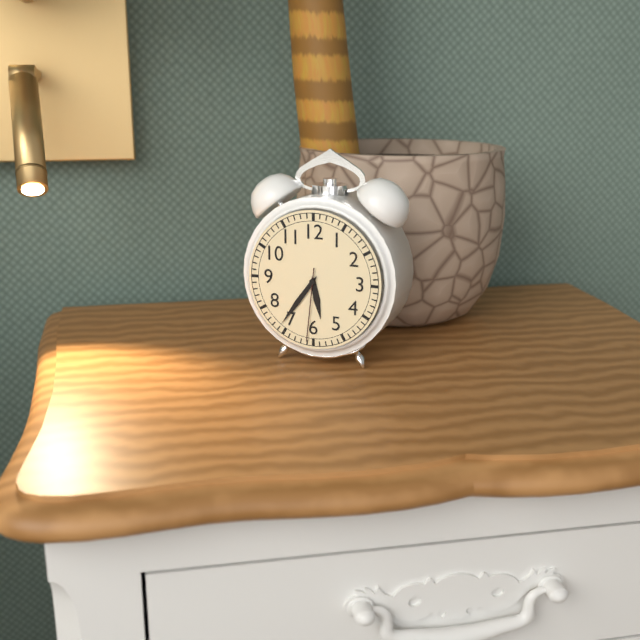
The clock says 5:36:31
